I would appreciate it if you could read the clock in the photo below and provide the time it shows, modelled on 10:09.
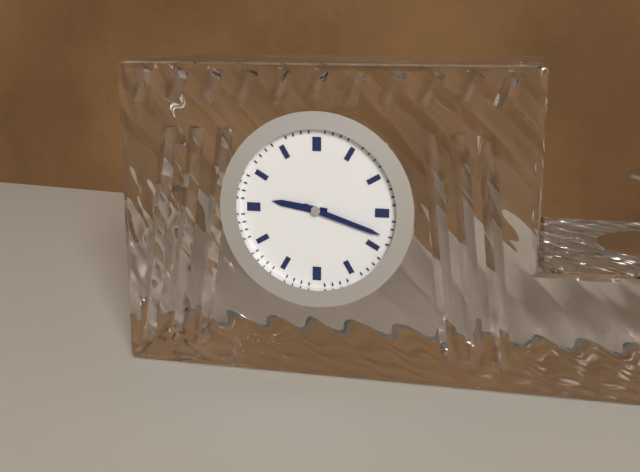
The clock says 9:18
